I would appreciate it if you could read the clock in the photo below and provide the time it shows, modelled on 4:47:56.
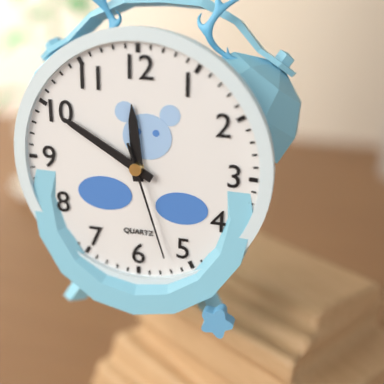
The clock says 11:50:27
